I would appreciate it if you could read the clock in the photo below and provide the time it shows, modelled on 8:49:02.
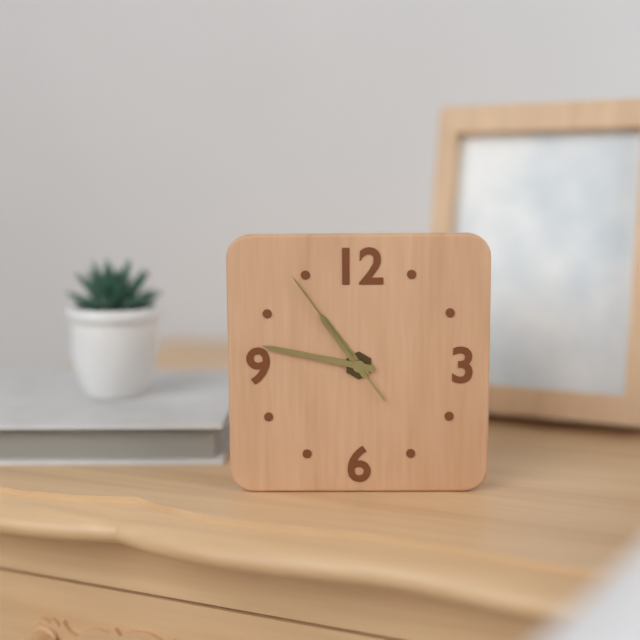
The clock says 10:47:54
